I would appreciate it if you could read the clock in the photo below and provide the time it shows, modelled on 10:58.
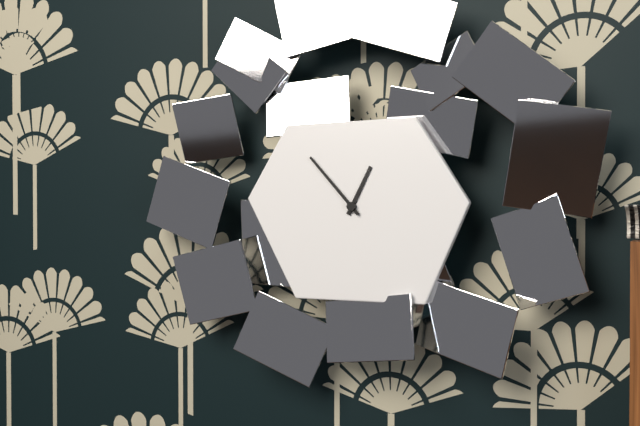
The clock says 12:53
